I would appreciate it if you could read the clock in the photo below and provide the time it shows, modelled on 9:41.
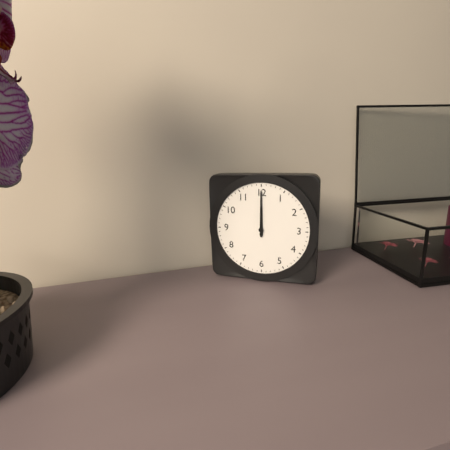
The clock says 12:00
